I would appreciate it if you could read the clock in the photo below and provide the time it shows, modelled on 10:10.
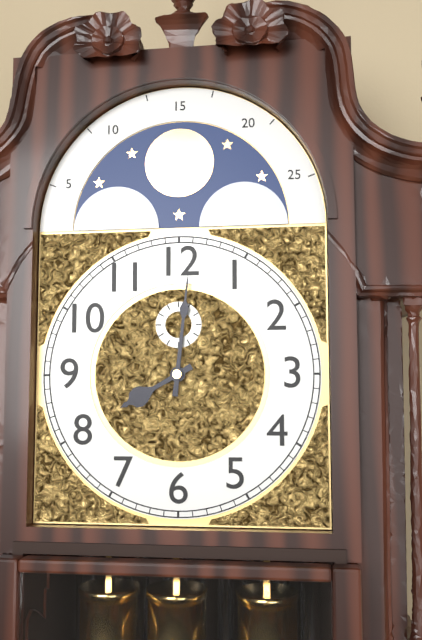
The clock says 8:01
